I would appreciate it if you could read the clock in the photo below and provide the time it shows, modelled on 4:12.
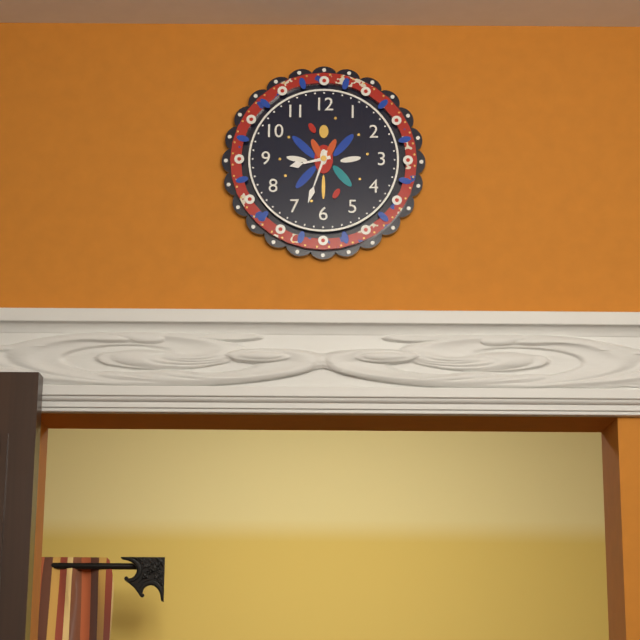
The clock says 8:33
